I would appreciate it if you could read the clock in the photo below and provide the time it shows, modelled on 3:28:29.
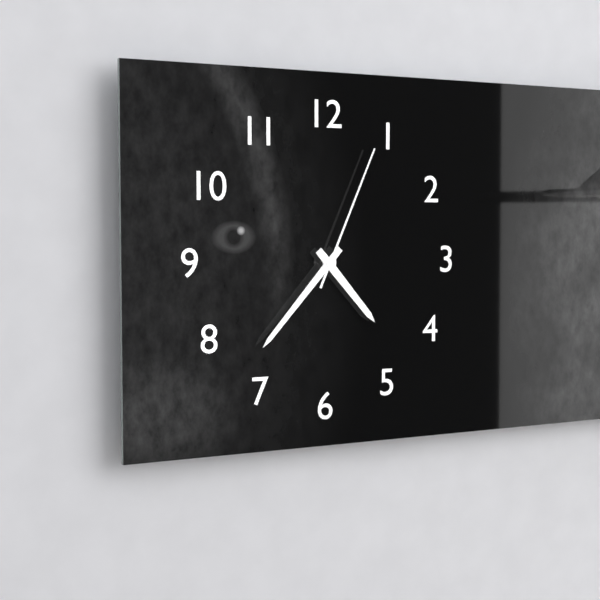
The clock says 4:37:04
